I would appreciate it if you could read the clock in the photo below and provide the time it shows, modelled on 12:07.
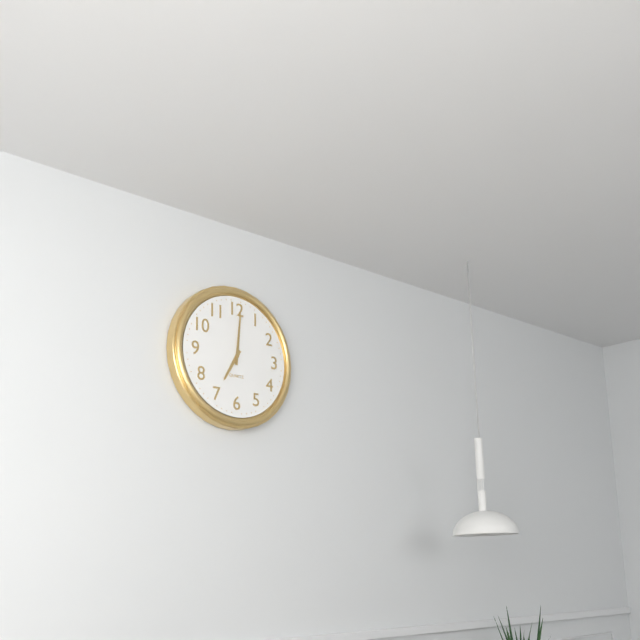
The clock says 7:01
